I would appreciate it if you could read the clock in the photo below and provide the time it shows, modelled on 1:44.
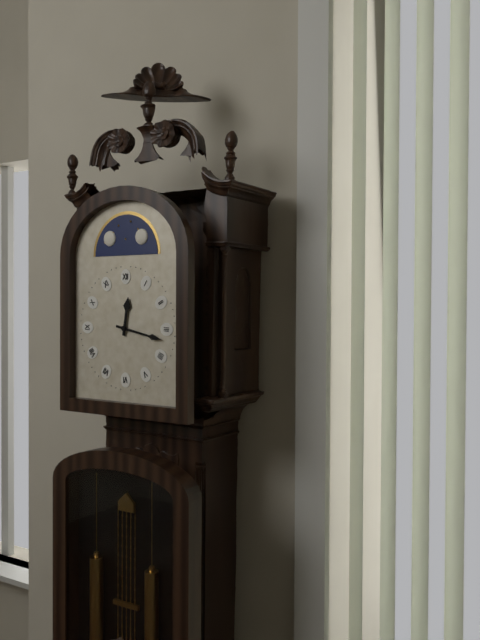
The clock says 12:17
